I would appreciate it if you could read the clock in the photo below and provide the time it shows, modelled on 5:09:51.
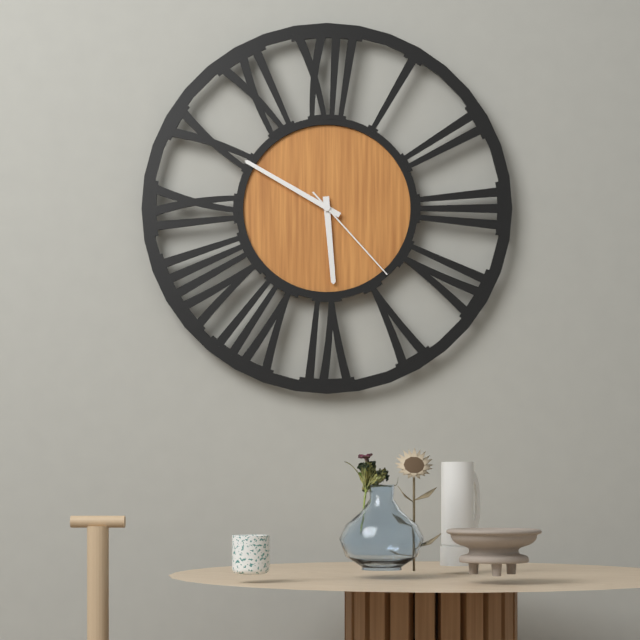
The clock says 5:50:23
